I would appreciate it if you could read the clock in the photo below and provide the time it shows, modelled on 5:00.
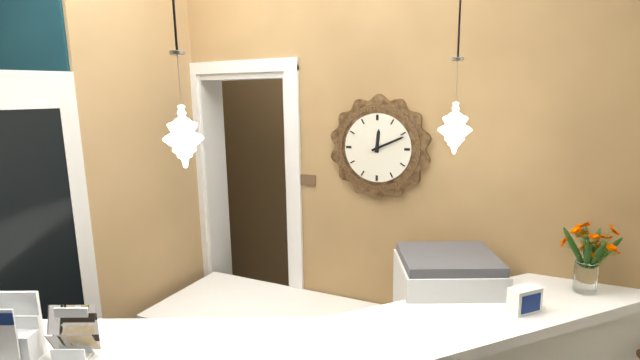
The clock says 12:11
